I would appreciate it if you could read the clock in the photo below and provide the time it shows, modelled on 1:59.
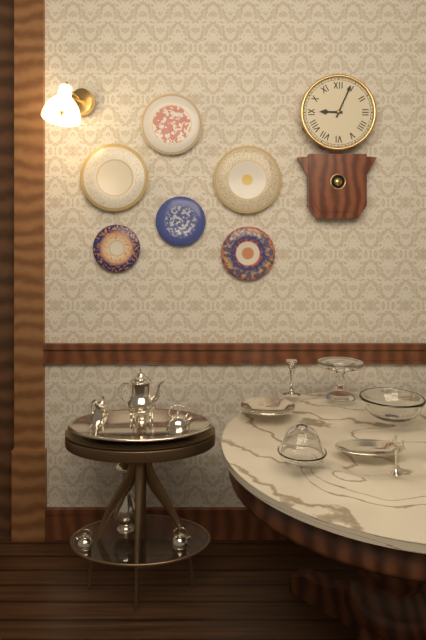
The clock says 9:04
